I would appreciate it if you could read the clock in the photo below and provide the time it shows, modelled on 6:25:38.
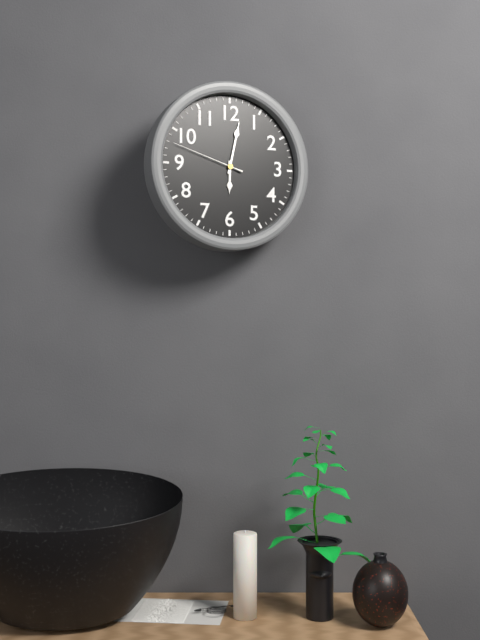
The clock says 6:02:48
